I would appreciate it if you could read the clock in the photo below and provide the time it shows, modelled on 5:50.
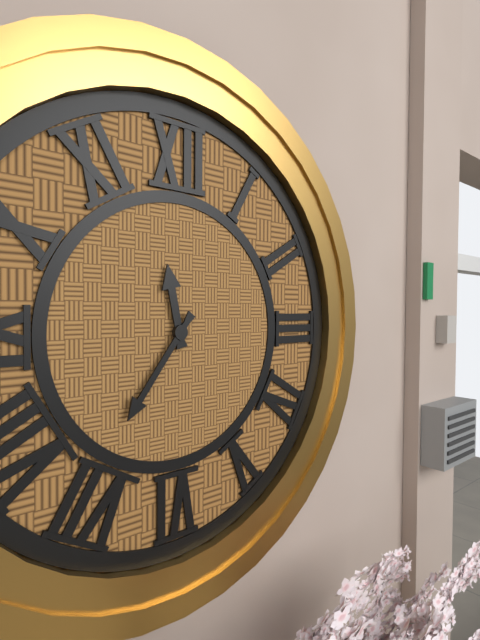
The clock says 11:36
